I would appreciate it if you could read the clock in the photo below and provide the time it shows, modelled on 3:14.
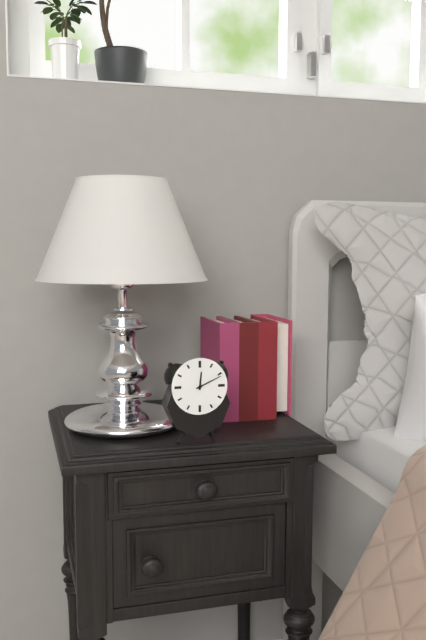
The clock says 12:11
